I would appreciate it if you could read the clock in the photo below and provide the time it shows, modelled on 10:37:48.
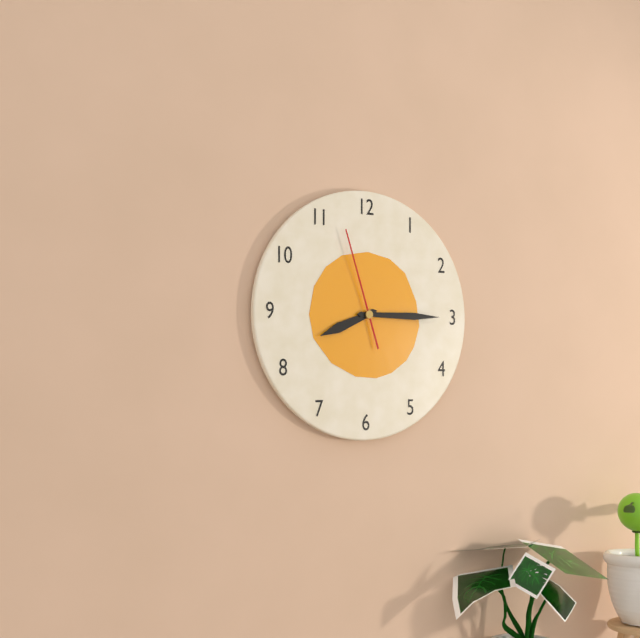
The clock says 8:15:57
